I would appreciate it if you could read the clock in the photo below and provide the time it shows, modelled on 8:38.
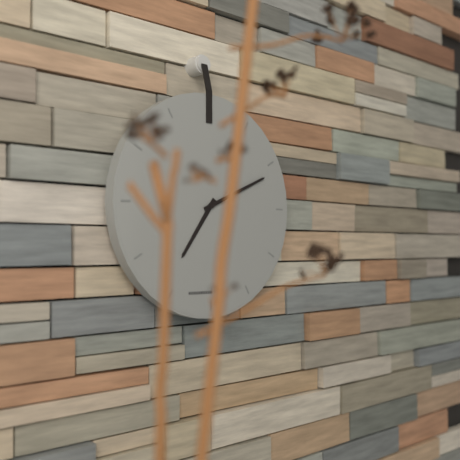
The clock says 7:11
